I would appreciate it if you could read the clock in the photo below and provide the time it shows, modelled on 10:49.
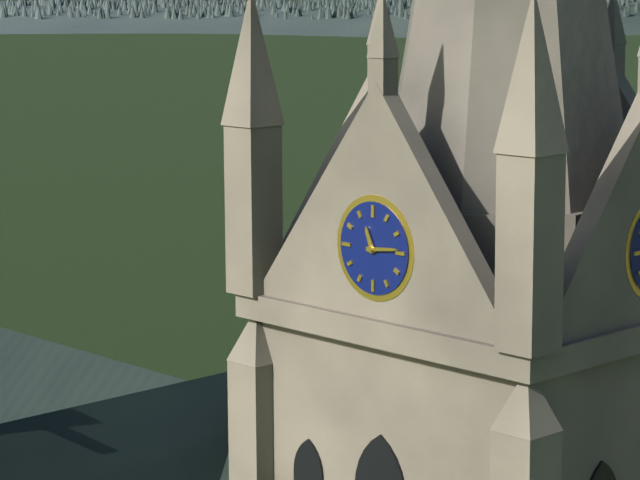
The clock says 11:14
